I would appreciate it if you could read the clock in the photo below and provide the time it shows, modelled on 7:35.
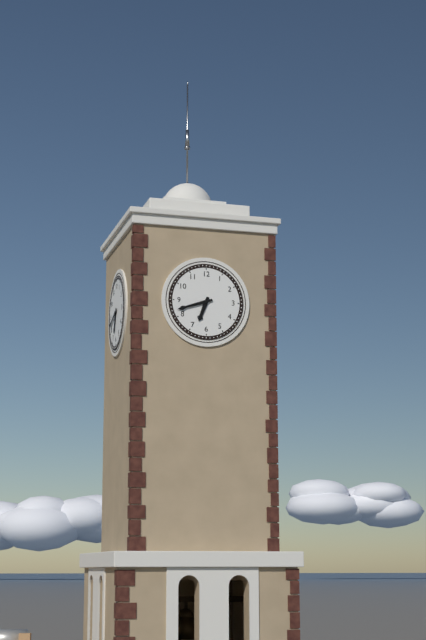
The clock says 6:42
